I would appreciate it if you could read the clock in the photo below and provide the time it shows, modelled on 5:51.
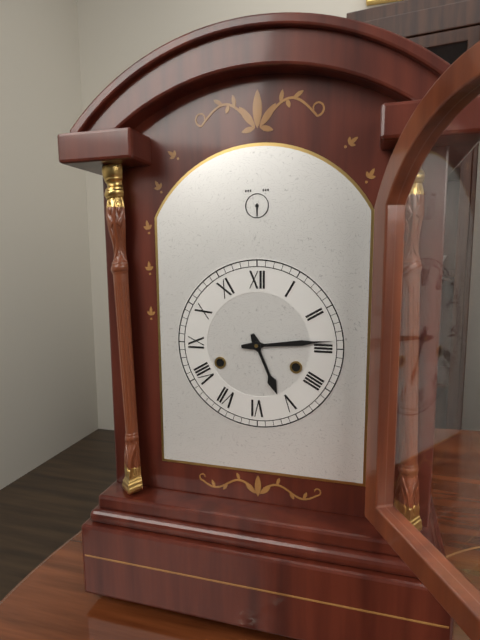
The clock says 5:14
